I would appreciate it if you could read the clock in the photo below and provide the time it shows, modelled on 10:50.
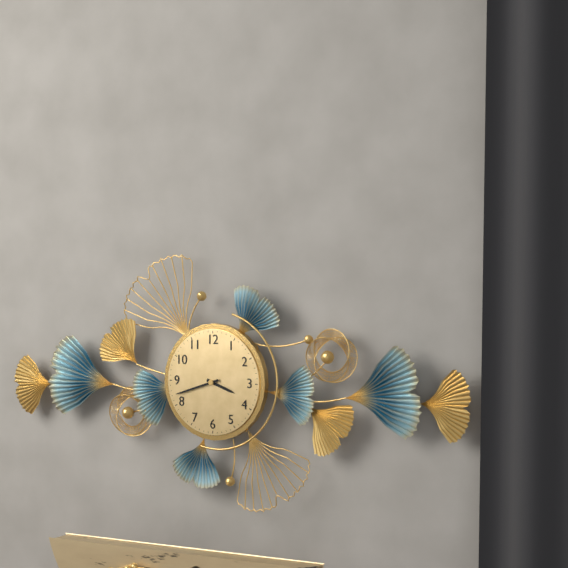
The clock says 3:42
